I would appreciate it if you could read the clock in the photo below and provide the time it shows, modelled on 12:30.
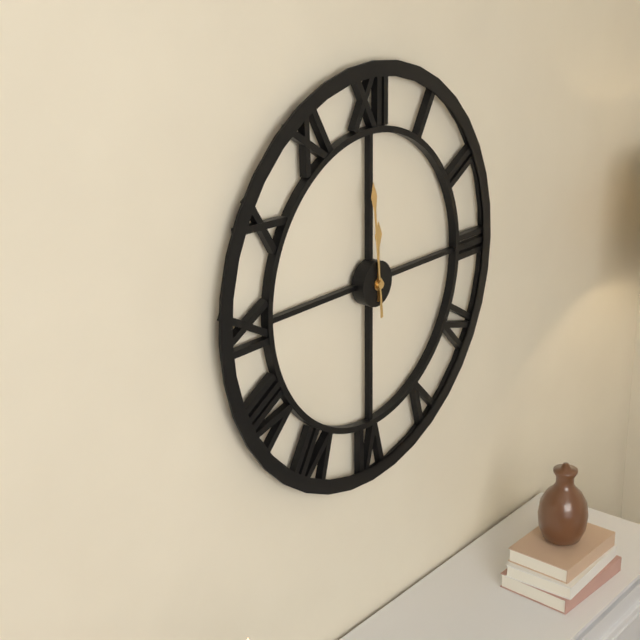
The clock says 11:59
